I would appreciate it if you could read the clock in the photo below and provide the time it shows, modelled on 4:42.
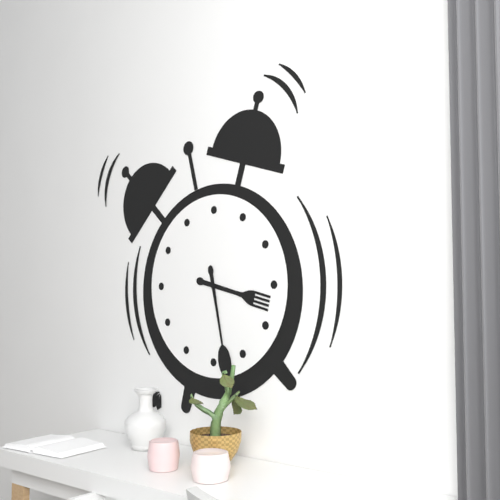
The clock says 3:28
